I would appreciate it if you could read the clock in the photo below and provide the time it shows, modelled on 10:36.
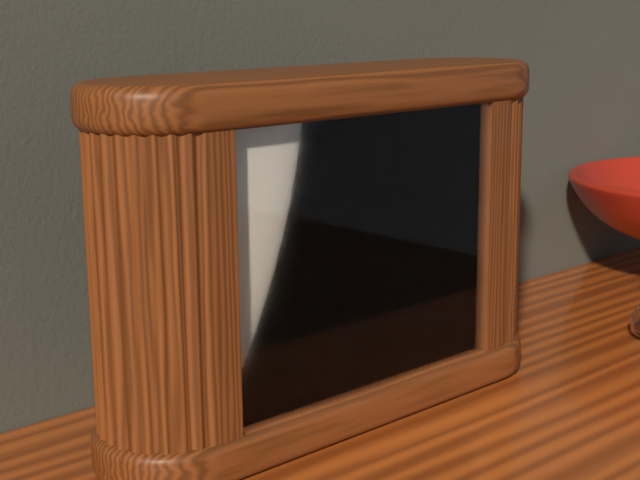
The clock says 12:50
